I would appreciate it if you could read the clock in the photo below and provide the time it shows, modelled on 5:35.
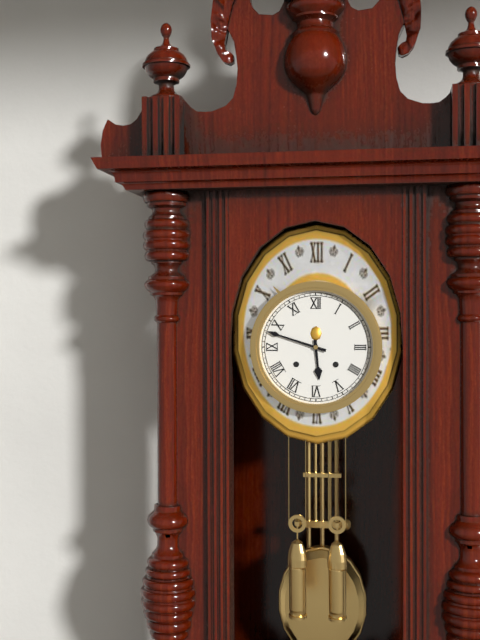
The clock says 5:48
